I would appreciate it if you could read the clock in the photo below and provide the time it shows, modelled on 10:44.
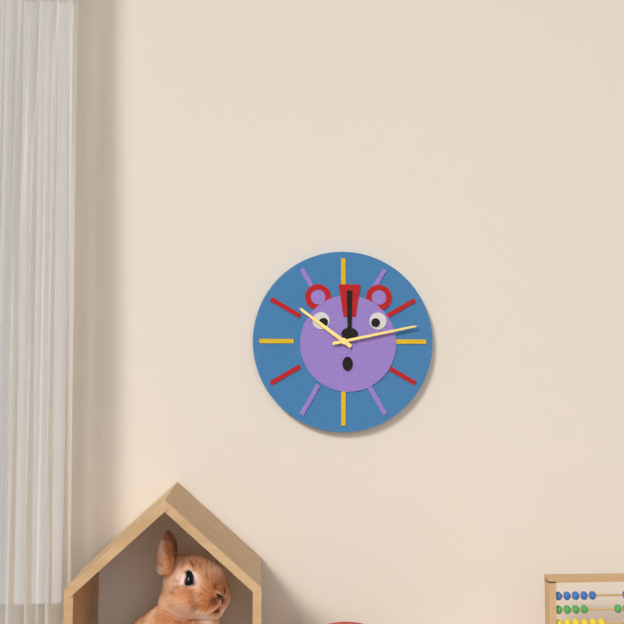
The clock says 10:13
